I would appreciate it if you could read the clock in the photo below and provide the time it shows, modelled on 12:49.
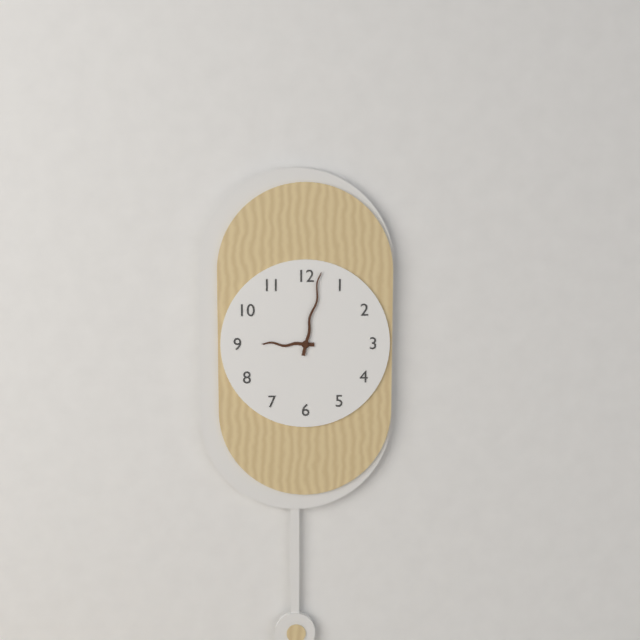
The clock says 9:02
